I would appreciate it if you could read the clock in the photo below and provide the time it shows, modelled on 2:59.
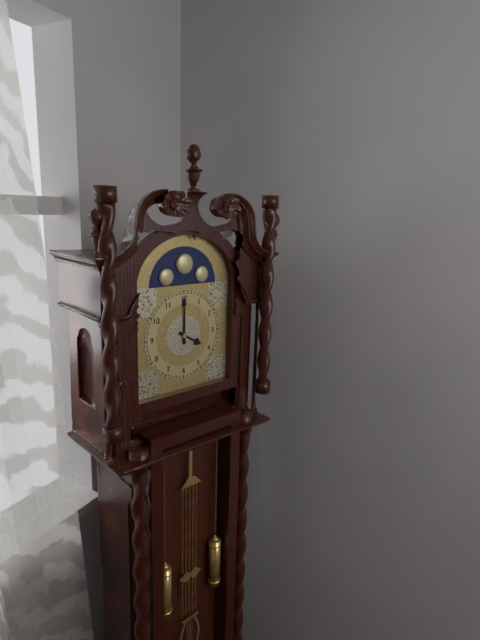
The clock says 4:00
